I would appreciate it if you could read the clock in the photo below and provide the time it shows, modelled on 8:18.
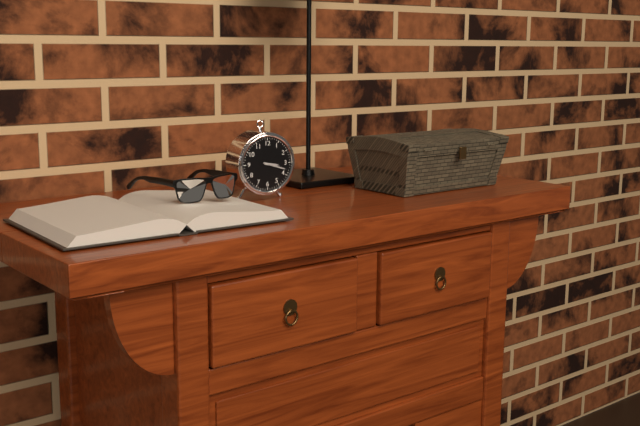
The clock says 3:18
